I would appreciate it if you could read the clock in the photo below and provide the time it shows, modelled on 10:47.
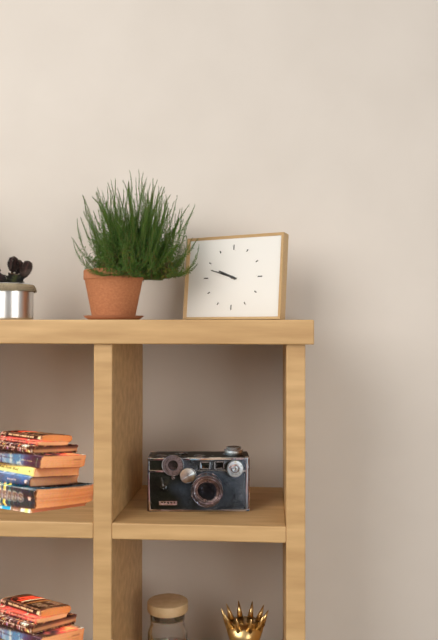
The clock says 9:48
